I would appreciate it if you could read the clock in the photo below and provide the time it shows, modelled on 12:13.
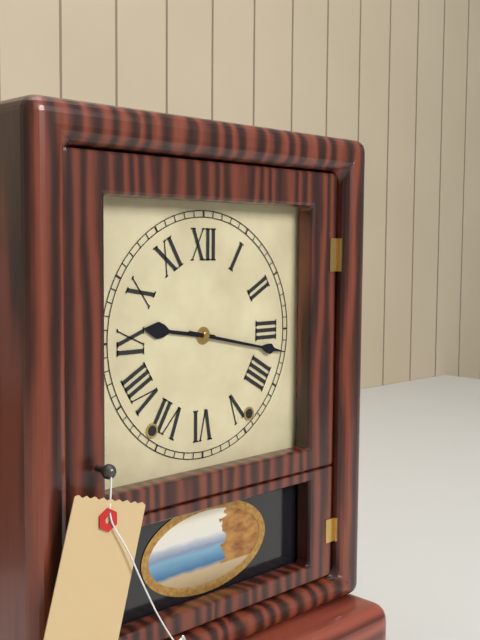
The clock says 9:17
